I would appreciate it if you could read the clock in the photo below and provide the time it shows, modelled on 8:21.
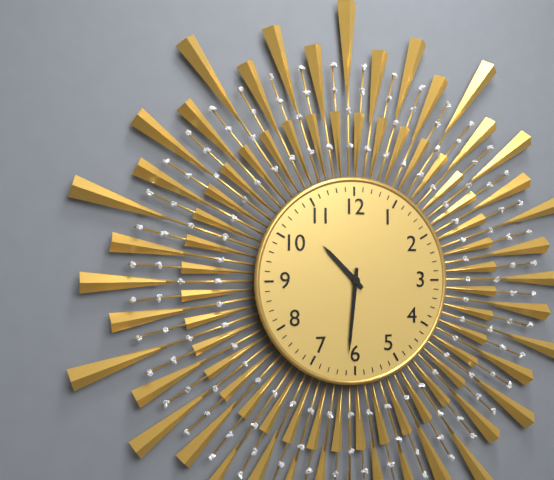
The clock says 10:31
